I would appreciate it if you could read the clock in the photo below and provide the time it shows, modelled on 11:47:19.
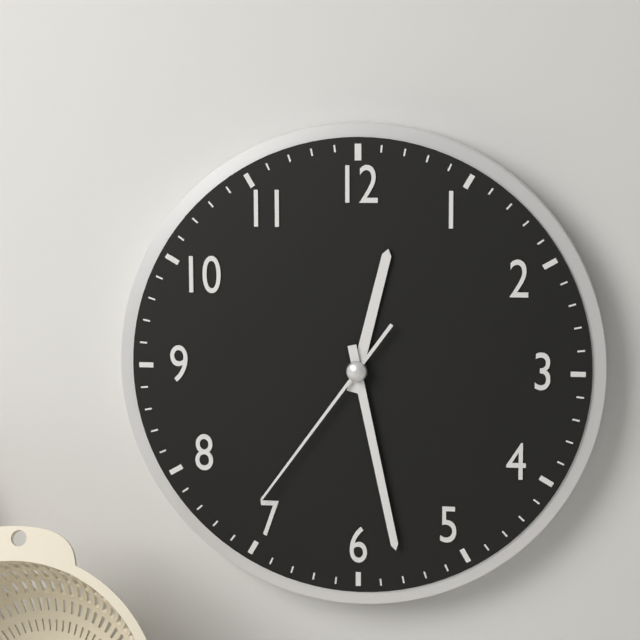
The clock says 12:28:36
